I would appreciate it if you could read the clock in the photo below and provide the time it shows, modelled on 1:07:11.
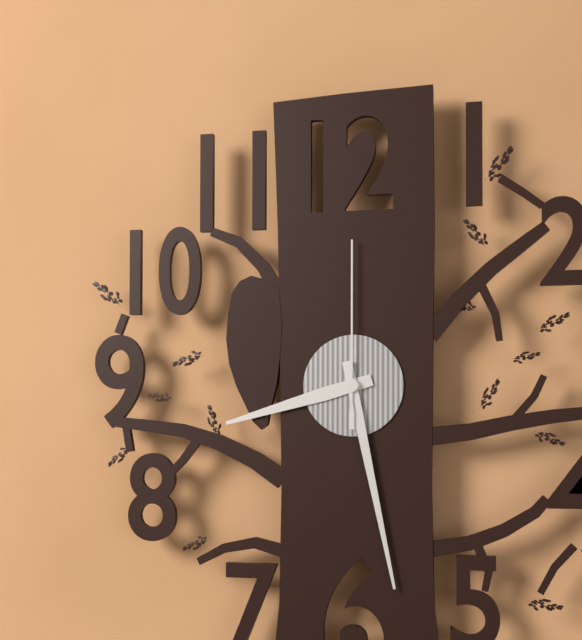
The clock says 8:28:00
